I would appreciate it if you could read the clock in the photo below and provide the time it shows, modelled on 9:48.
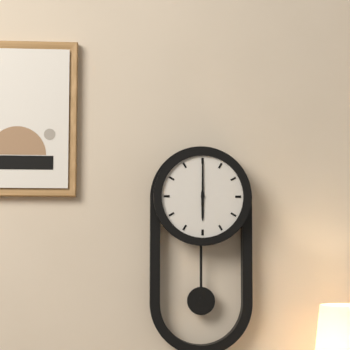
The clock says 6:00
